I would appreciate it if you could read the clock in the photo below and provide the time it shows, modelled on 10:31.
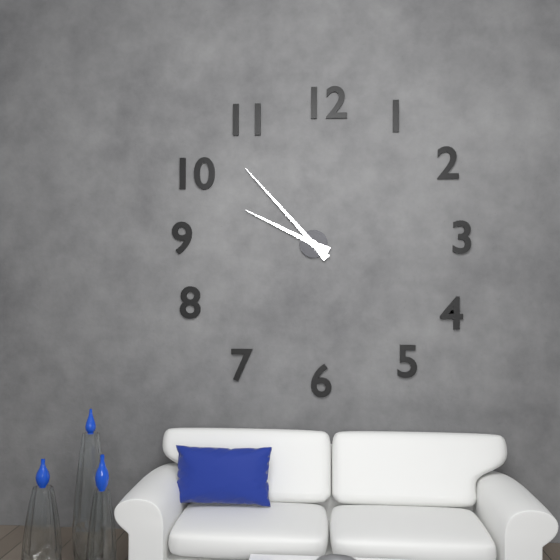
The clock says 9:53
